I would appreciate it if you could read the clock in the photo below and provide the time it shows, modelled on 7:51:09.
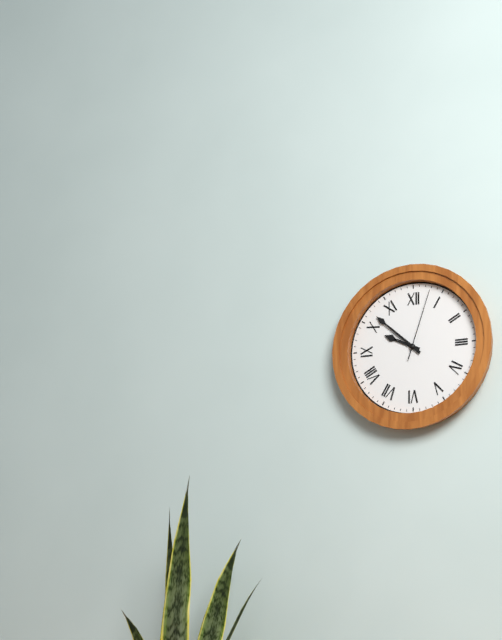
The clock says 9:52:03
